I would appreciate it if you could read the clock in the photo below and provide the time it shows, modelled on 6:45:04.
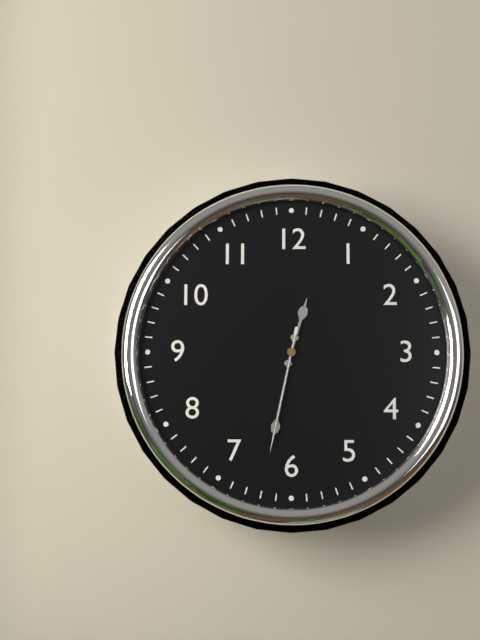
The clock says 12:32:32
